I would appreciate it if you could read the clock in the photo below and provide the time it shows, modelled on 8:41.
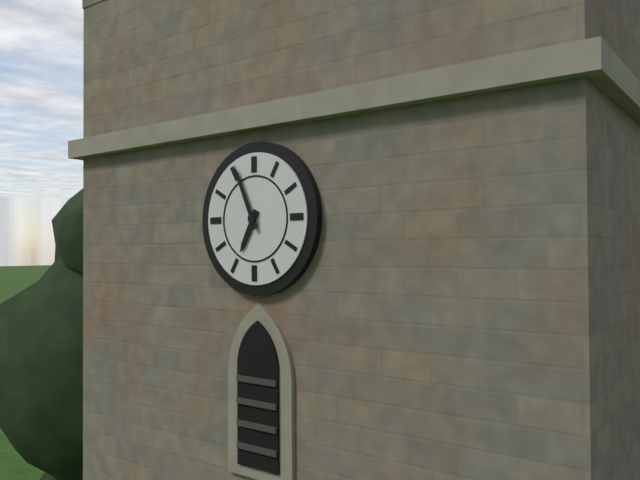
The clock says 6:56
